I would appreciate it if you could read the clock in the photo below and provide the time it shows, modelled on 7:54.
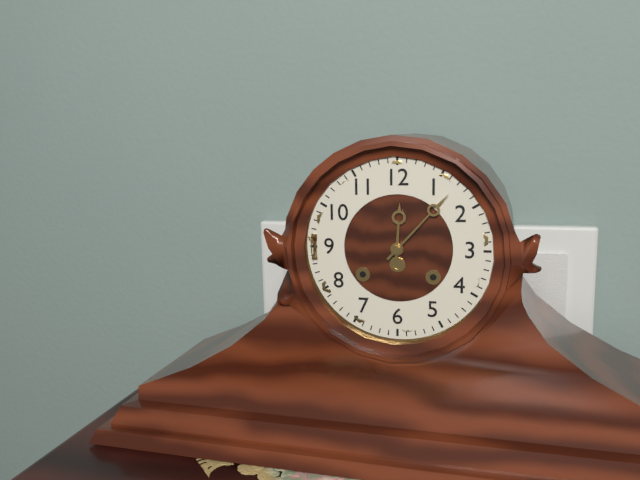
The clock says 12:07
